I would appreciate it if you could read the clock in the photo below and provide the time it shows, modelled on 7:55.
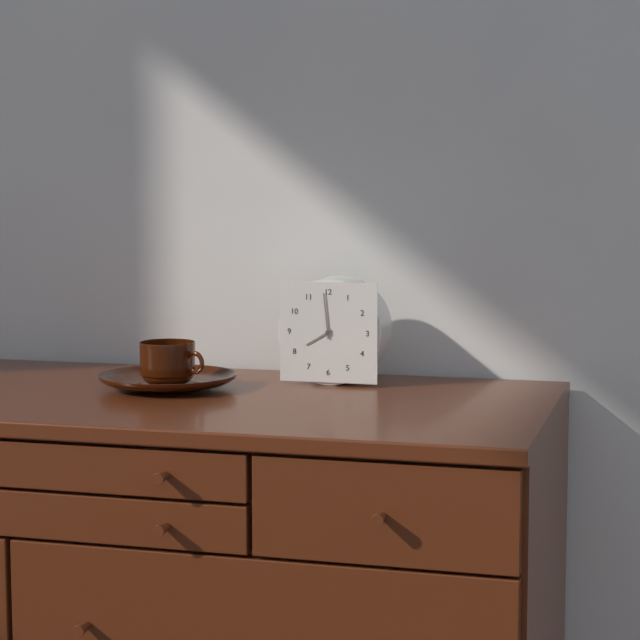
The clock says 7:59
